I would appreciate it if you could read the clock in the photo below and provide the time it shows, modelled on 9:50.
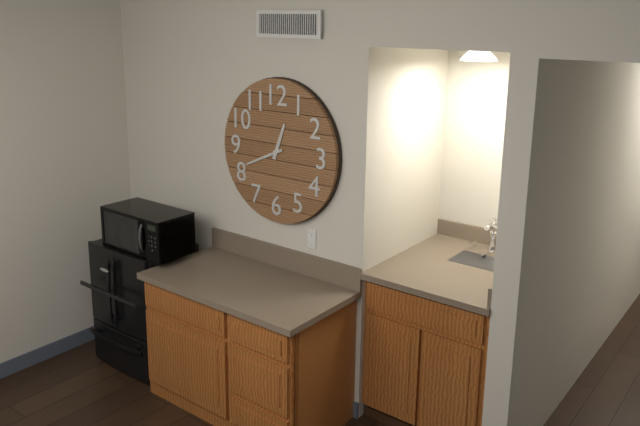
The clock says 12:41
